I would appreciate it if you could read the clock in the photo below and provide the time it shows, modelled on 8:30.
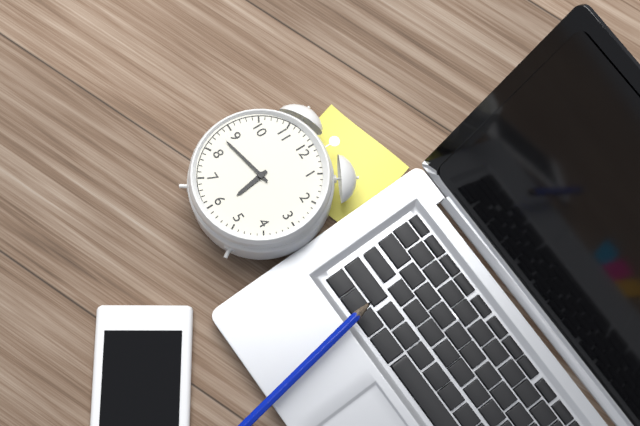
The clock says 5:43
